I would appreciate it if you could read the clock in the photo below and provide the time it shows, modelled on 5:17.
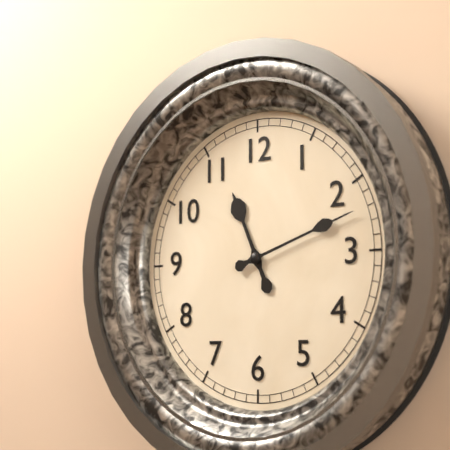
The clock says 11:12
